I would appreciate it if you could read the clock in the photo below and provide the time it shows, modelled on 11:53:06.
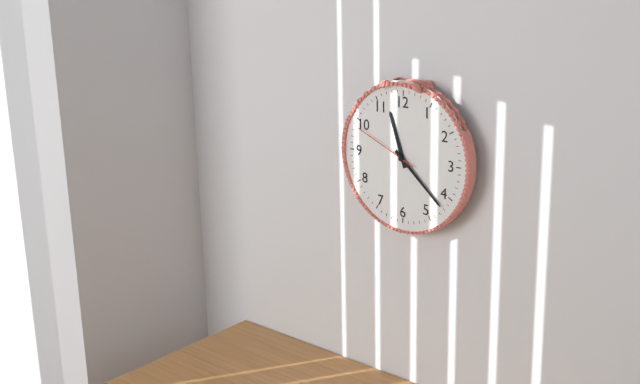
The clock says 11:22:49
